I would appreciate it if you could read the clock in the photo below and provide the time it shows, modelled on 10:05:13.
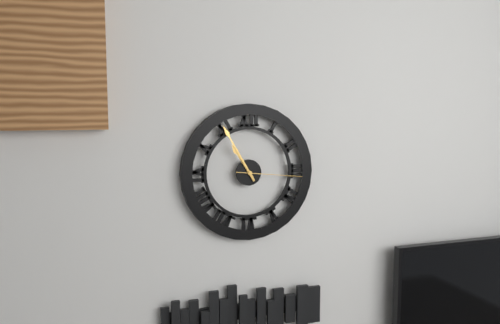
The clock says 10:55:16
